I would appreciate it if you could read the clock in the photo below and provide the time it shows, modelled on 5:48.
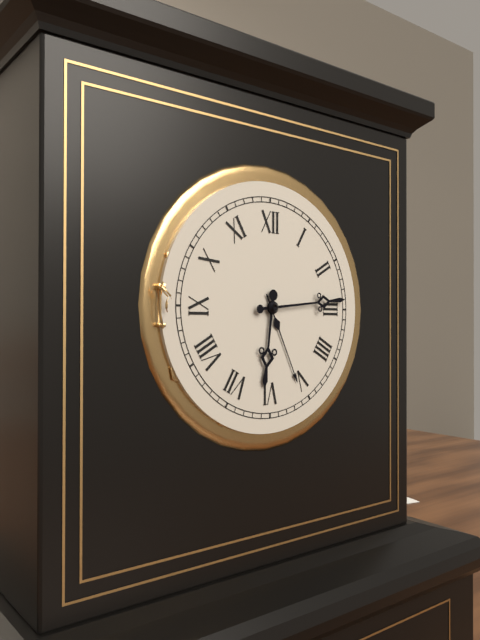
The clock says 6:14
